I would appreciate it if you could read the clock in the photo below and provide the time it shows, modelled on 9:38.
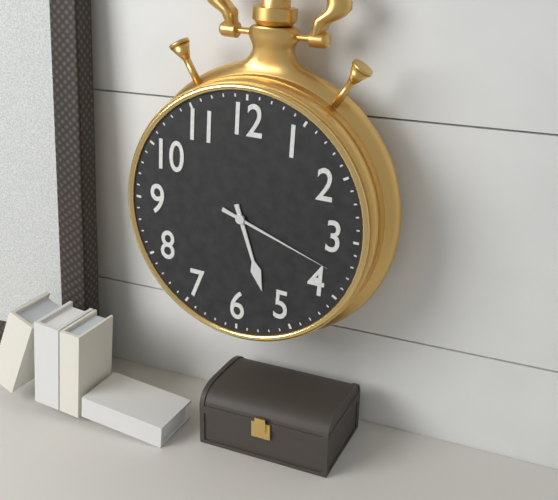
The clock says 5:18
